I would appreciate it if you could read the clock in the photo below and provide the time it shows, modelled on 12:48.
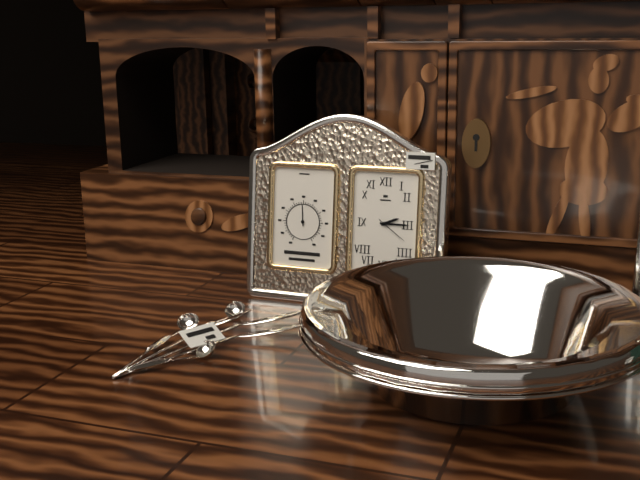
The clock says 2:15
